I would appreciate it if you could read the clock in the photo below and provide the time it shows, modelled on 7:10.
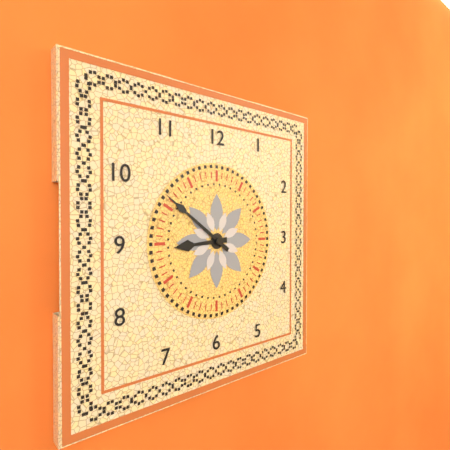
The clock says 8:51
